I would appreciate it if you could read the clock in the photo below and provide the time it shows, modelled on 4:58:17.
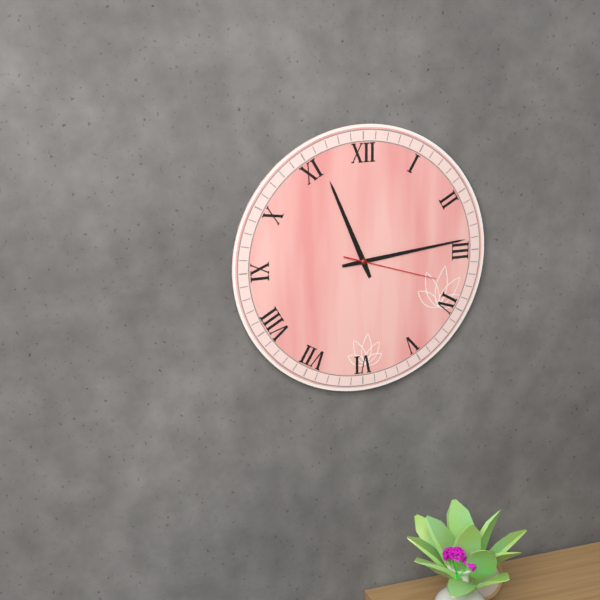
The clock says 11:14:18
